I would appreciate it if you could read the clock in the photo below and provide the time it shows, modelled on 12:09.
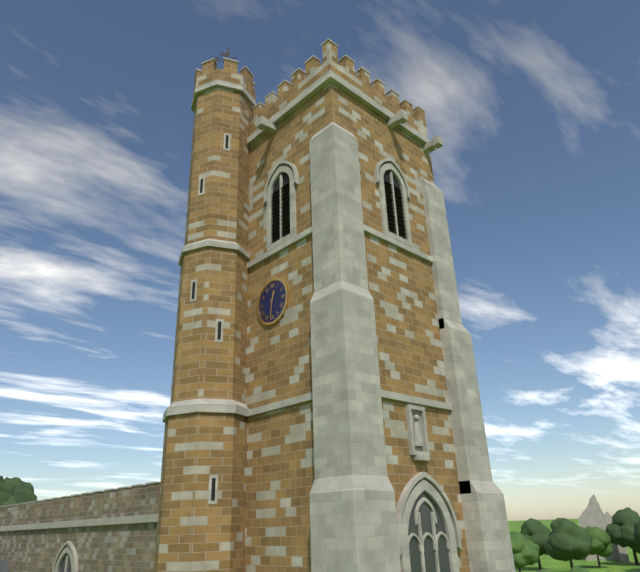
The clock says 12:31
